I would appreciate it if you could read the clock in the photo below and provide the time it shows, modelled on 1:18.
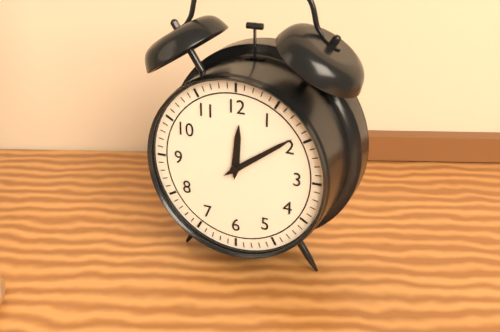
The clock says 12:09
